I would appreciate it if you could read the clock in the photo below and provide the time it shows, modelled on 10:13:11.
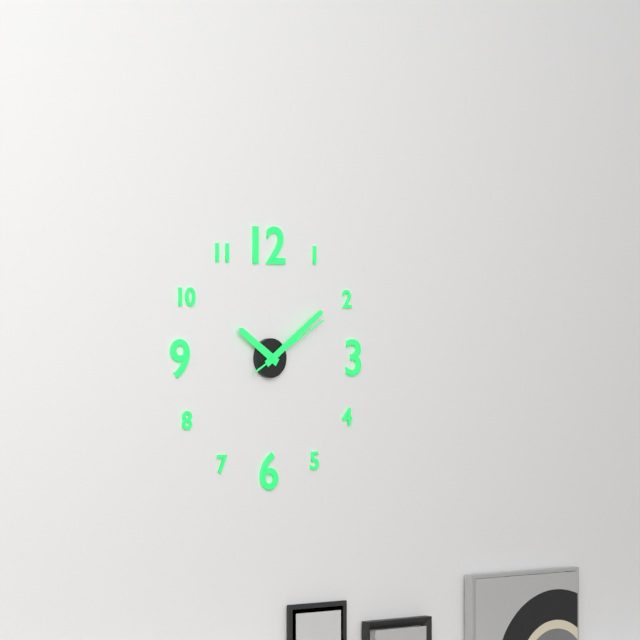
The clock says 10:09:10
